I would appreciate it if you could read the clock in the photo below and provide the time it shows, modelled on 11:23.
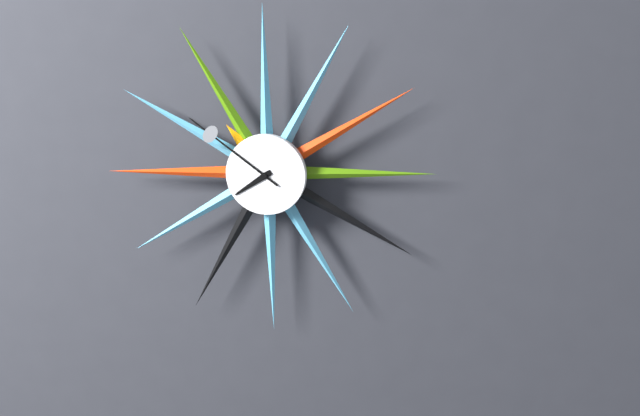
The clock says 7:51
